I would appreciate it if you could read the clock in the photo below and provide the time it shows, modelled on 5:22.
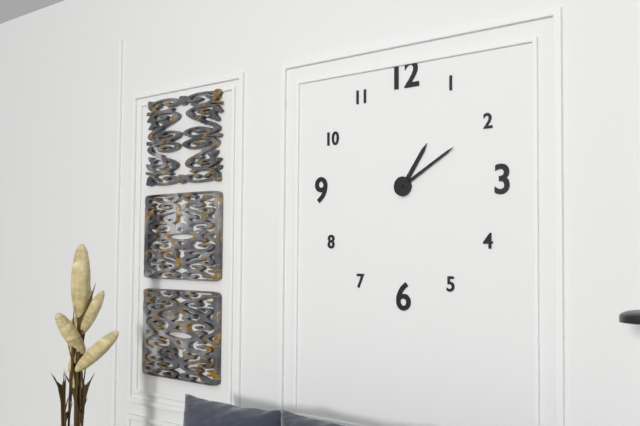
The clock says 1:10
